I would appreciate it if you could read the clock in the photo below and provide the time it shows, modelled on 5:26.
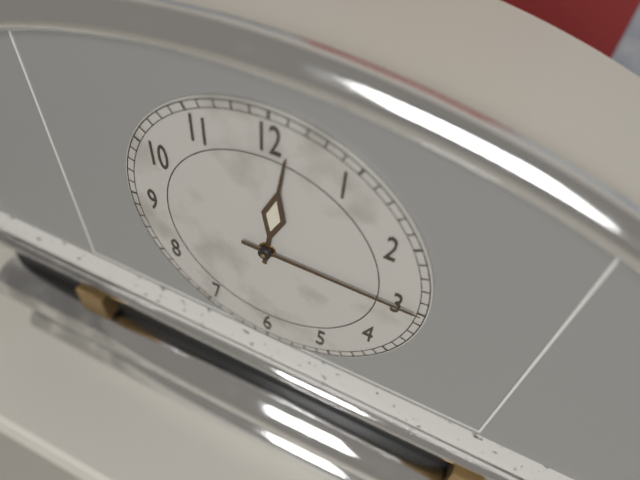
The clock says 12:15
